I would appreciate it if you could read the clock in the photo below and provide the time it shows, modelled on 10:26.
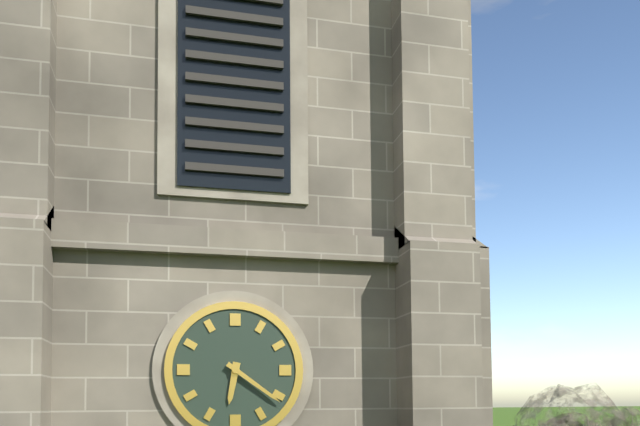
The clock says 6:21
